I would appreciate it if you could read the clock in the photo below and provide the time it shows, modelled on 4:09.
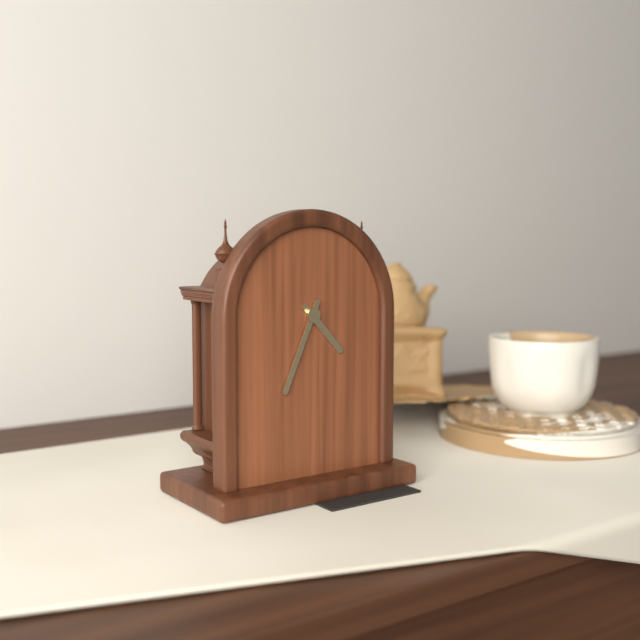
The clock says 4:34
